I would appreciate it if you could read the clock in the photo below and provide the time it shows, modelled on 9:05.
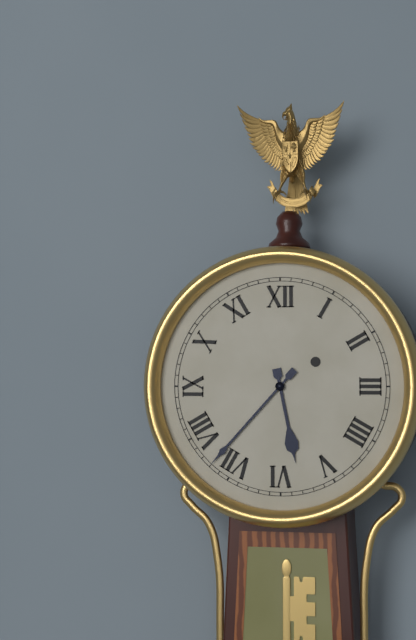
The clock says 5:37
